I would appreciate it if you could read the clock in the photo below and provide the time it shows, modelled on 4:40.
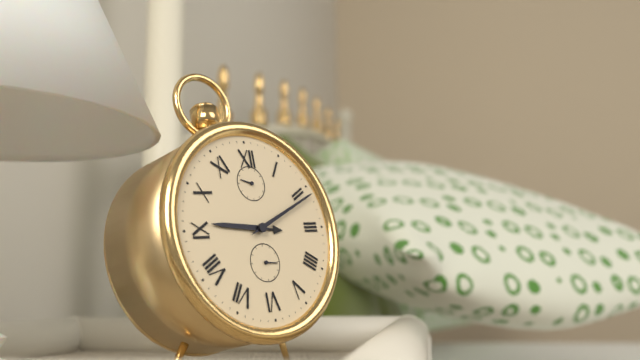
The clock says 9:11
